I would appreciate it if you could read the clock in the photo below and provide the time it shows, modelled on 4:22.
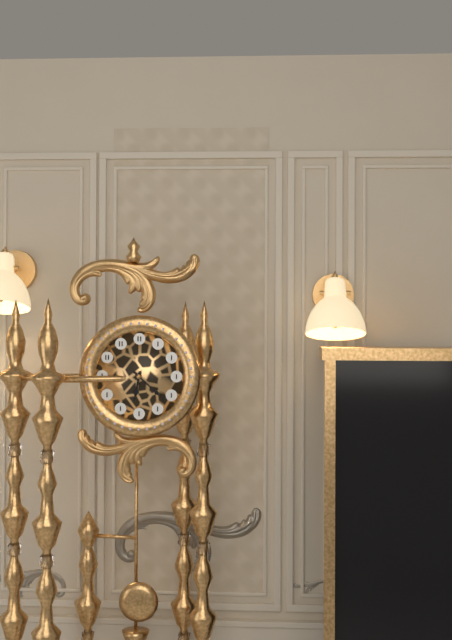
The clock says 6:22
